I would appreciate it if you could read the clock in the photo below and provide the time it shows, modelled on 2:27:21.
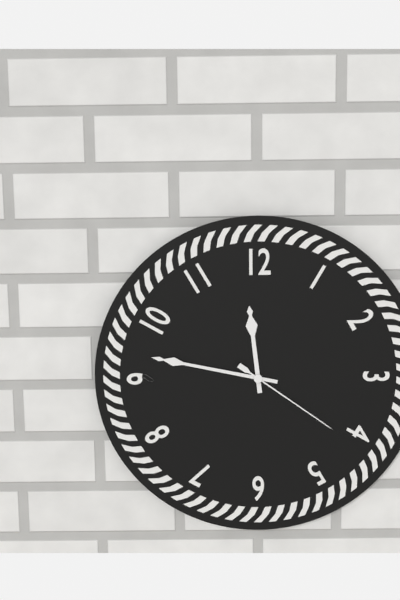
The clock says 11:47:21
